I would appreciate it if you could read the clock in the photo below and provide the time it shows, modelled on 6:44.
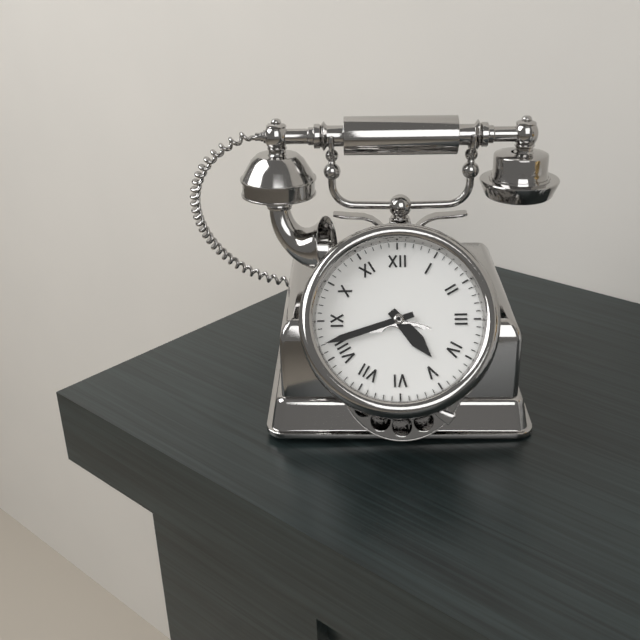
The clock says 4:42
